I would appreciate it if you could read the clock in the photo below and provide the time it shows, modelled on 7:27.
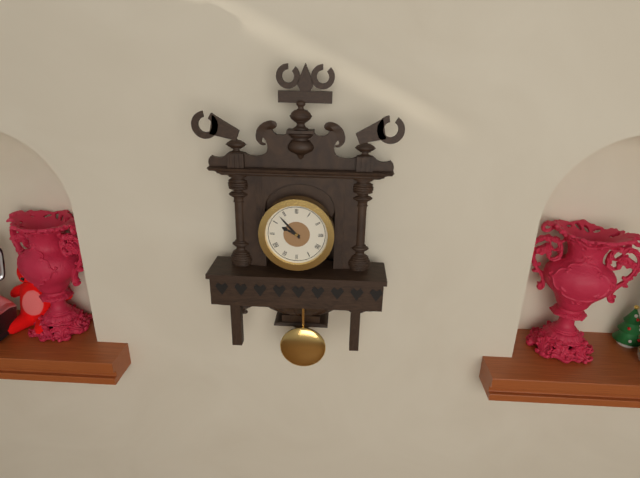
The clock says 9:53
